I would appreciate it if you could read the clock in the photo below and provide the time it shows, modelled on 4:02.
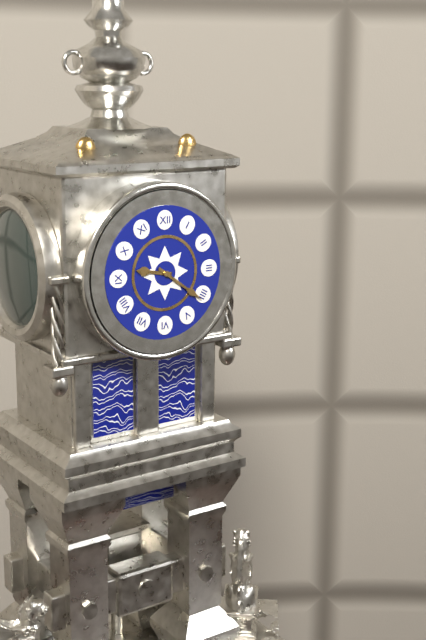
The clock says 9:21
